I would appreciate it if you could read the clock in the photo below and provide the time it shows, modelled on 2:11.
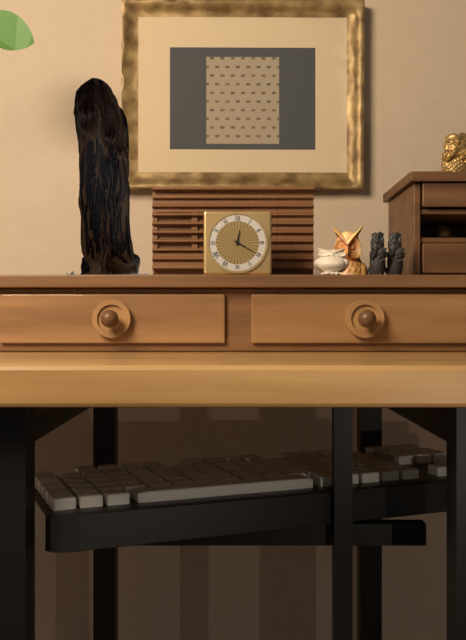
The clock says 12:20
